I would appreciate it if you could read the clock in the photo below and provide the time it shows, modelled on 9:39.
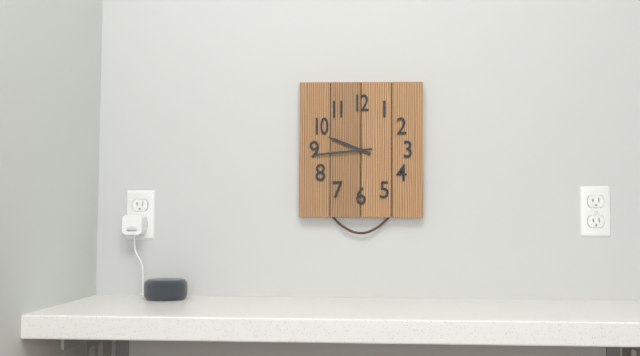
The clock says 9:44
